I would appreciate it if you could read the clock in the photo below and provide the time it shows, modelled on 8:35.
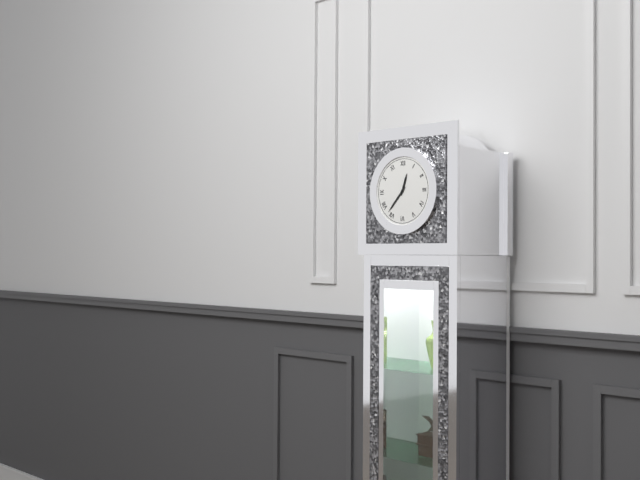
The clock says 12:37
